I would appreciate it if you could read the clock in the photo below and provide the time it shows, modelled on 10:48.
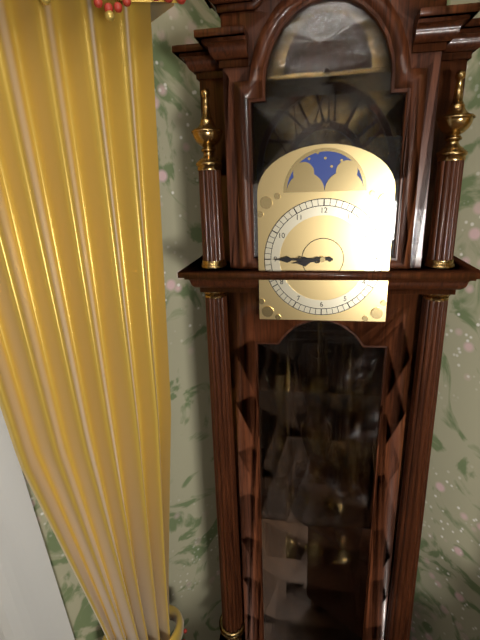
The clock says 8:45
